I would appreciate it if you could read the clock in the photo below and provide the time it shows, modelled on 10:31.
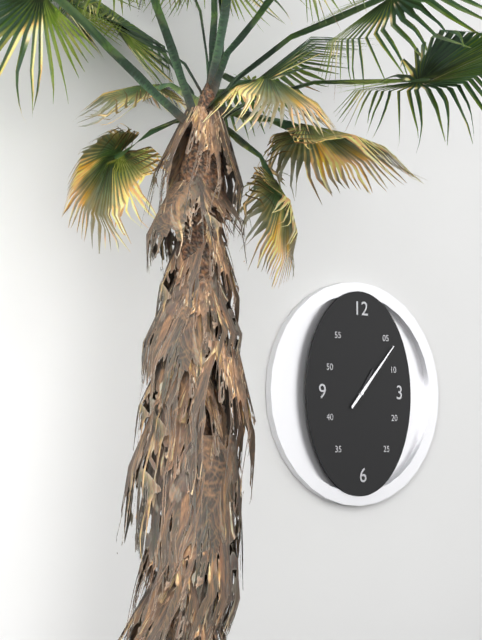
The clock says 1:07
